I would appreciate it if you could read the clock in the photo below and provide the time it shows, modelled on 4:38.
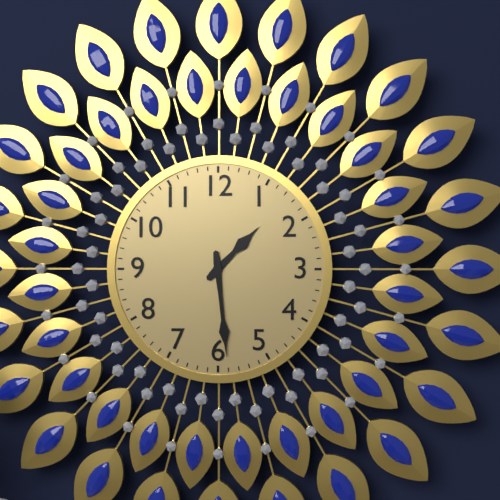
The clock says 1:29
